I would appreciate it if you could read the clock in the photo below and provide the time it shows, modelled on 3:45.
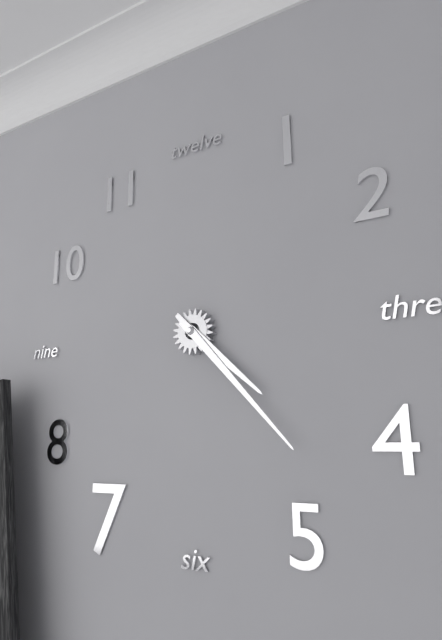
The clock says 4:23
